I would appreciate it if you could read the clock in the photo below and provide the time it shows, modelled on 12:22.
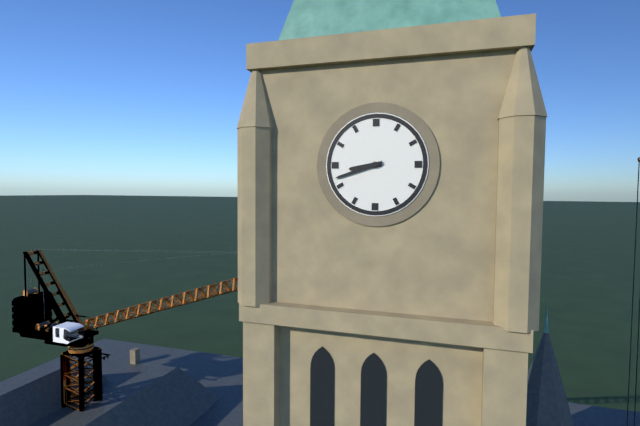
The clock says 8:42
